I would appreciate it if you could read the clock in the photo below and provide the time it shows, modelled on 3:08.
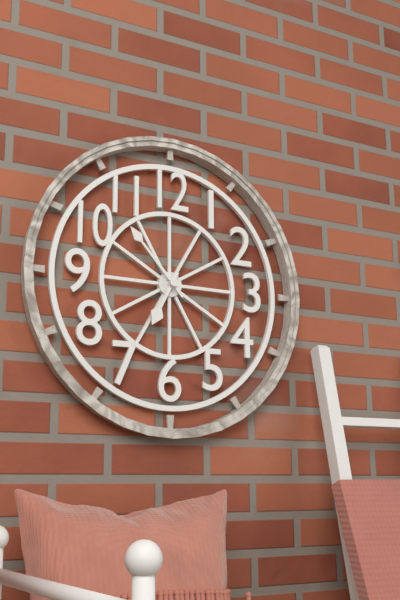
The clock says 6:53
